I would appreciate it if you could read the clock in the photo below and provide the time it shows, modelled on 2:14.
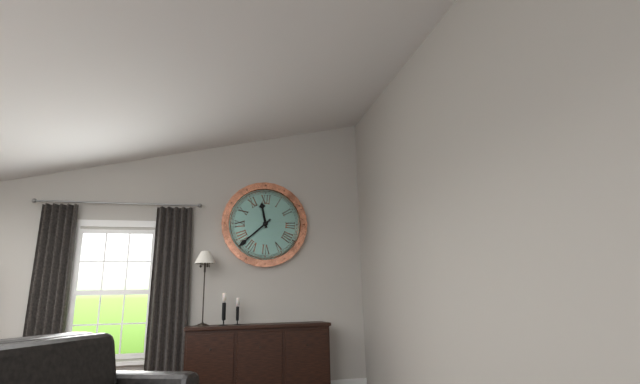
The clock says 11:38
